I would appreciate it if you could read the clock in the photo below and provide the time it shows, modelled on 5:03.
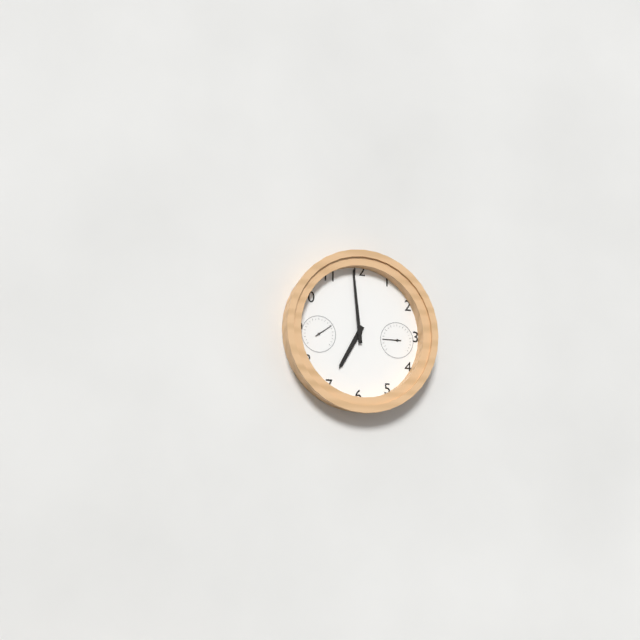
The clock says 6:59
